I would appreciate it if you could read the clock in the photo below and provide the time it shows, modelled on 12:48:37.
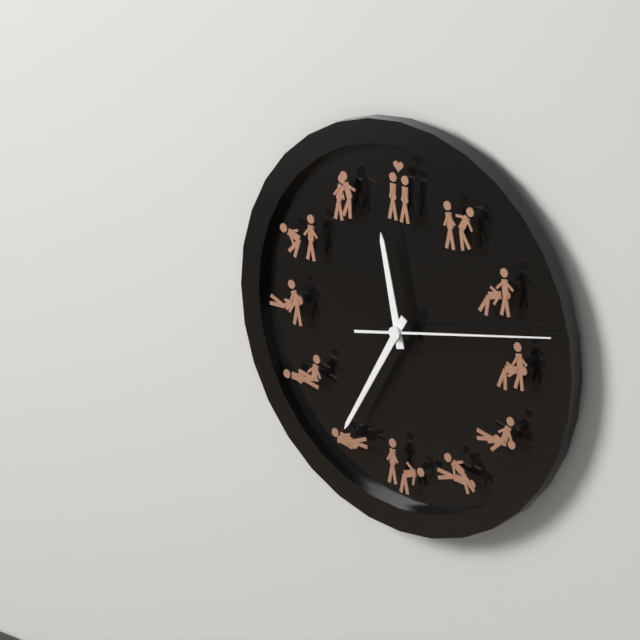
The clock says 11:35:13
